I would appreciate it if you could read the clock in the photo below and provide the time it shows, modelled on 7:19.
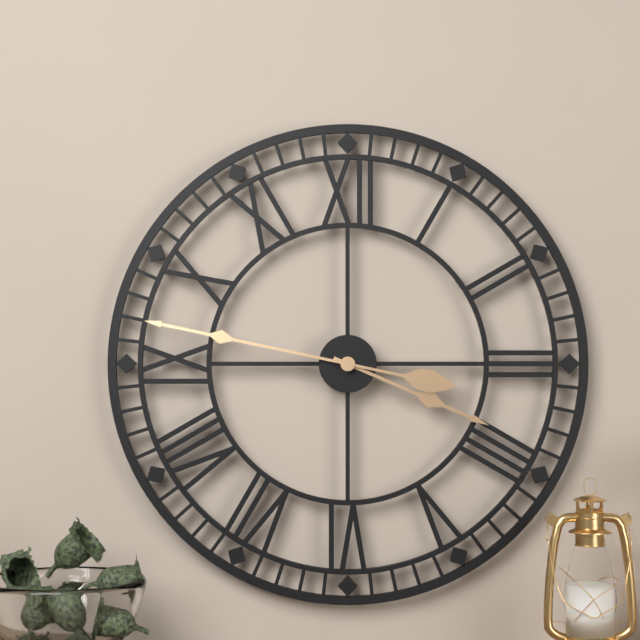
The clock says 3:47
